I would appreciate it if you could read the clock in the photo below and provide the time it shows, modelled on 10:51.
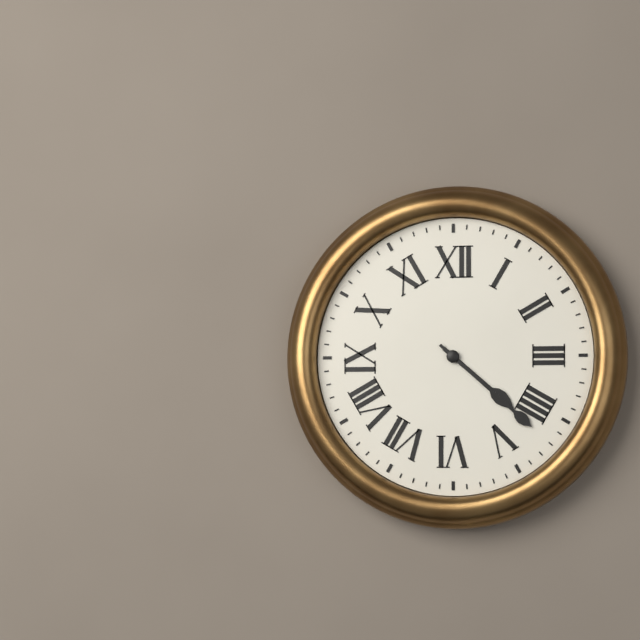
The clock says 4:22
